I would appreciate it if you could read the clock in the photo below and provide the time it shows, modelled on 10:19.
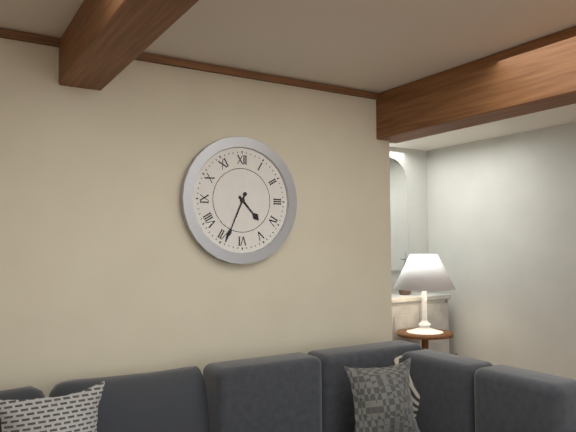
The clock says 4:34
